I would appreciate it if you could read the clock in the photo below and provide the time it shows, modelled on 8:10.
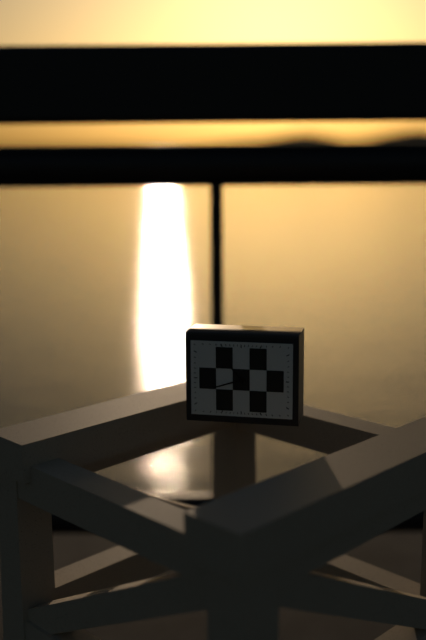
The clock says 10:42
